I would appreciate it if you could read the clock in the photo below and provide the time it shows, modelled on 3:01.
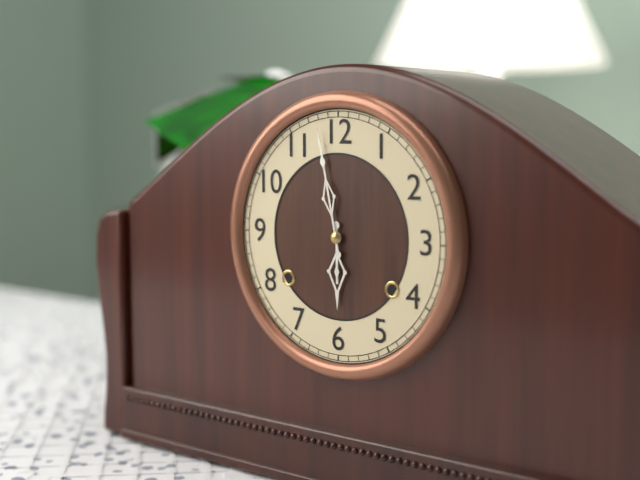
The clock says 5:58
